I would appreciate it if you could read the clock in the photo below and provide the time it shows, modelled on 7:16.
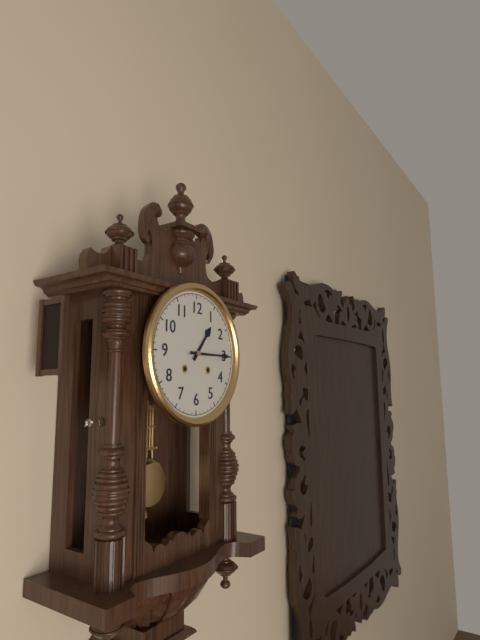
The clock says 1:15
